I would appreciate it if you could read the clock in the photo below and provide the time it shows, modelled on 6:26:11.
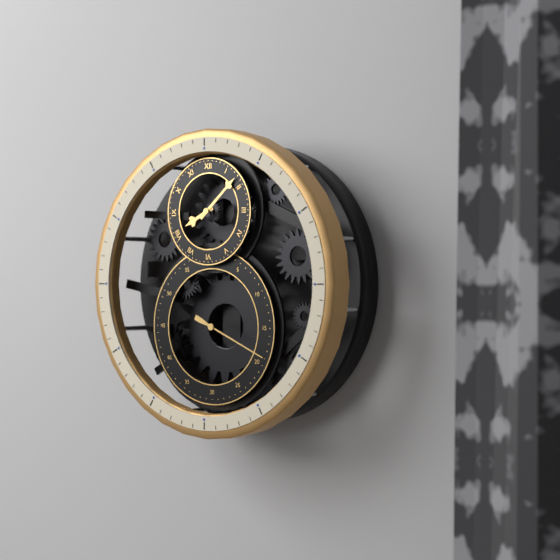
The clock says 8:08:19
